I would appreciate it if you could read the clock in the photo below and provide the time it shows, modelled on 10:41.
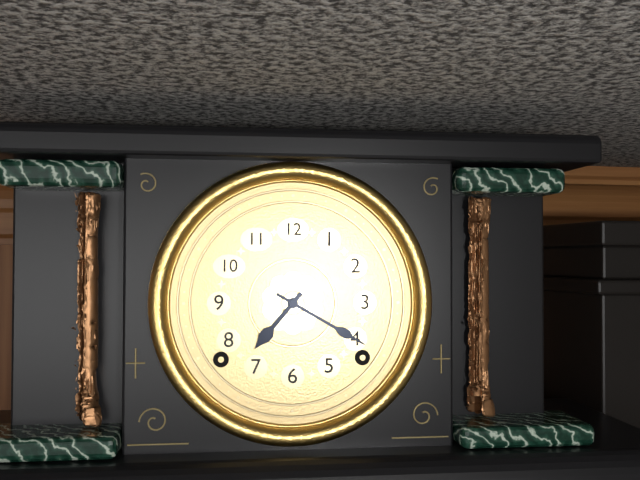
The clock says 7:20
